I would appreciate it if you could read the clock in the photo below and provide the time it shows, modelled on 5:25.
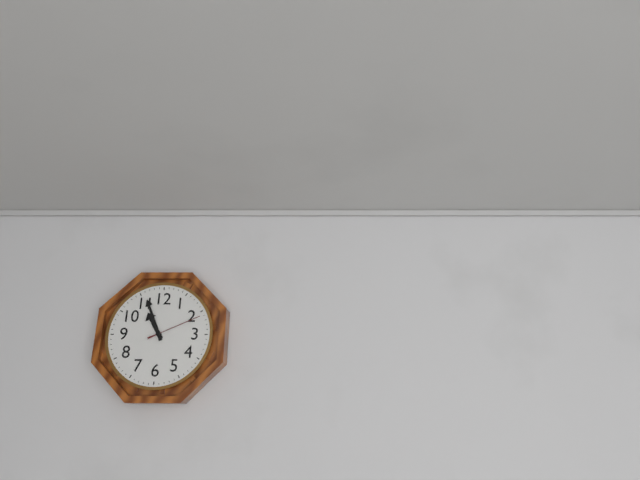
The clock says 10:56
